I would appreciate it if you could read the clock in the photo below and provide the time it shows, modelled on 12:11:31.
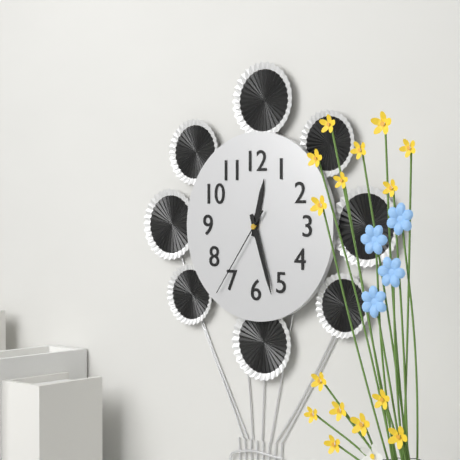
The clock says 12:27:36
